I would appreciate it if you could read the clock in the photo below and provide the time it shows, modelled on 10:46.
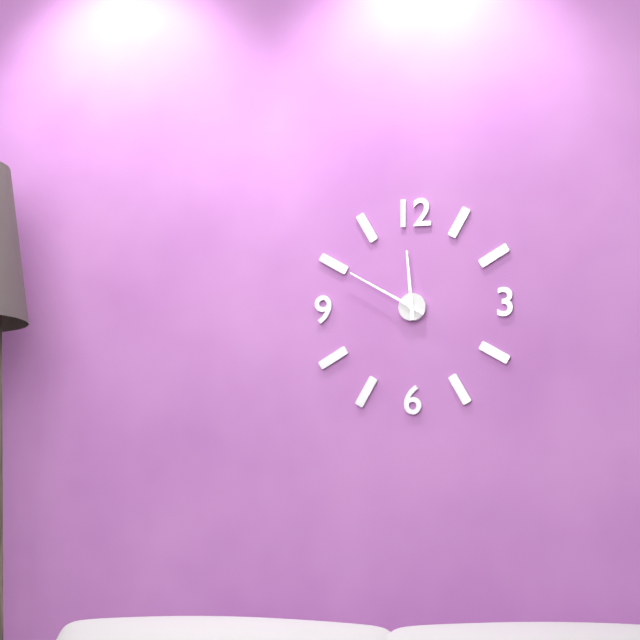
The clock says 11:50
